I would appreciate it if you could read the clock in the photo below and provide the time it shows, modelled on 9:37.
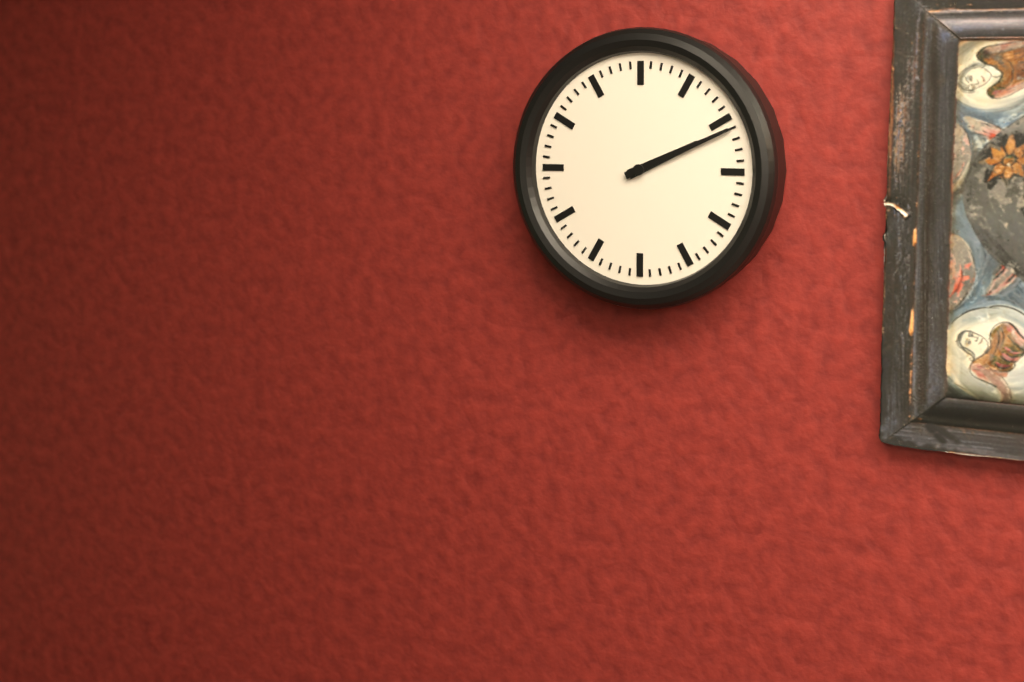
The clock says 2:11
